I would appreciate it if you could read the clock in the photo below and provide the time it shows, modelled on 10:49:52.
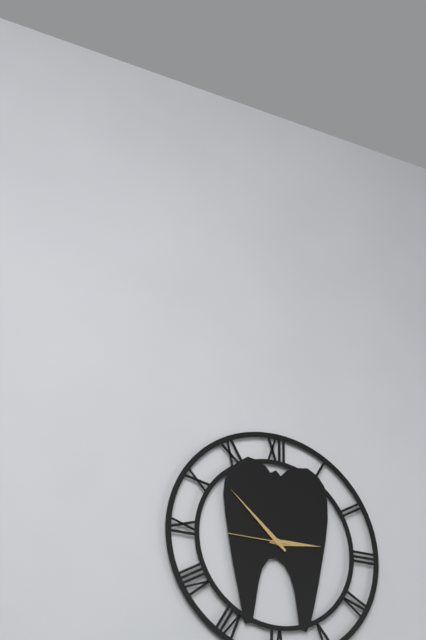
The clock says 2:52:45
